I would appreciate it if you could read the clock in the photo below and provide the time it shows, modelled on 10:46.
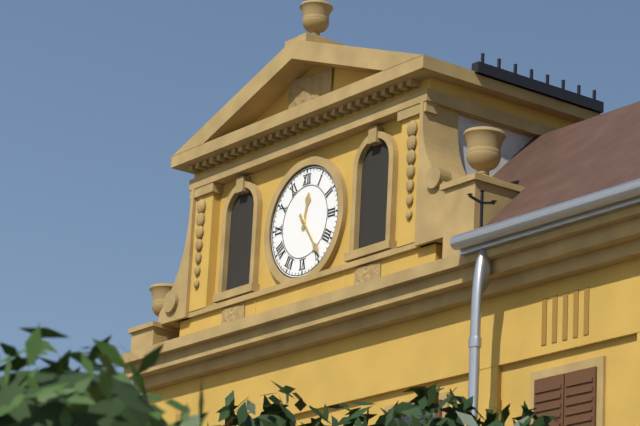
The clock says 12:24
